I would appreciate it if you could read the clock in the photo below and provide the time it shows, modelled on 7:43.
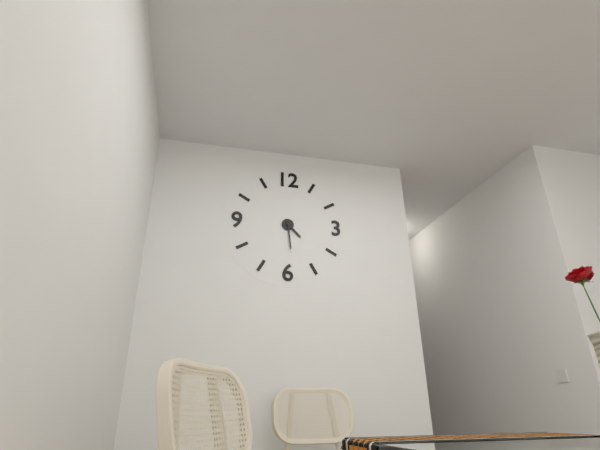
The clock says 4:29
